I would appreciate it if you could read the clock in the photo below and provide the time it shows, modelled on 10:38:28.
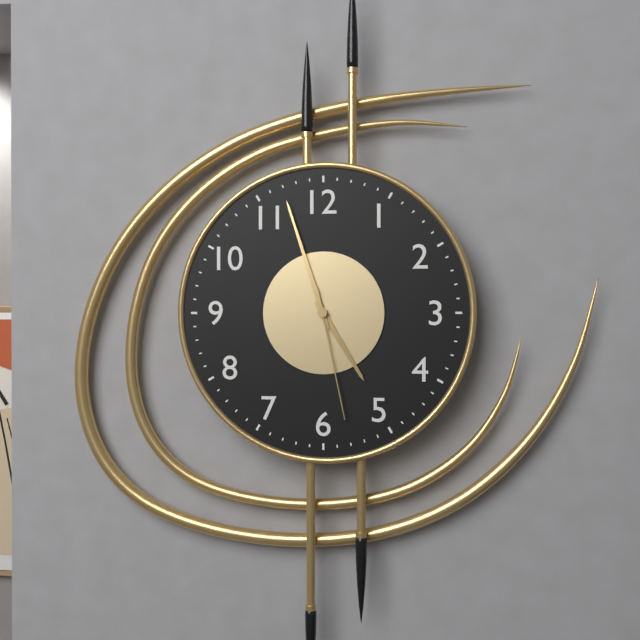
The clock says 4:57:28
